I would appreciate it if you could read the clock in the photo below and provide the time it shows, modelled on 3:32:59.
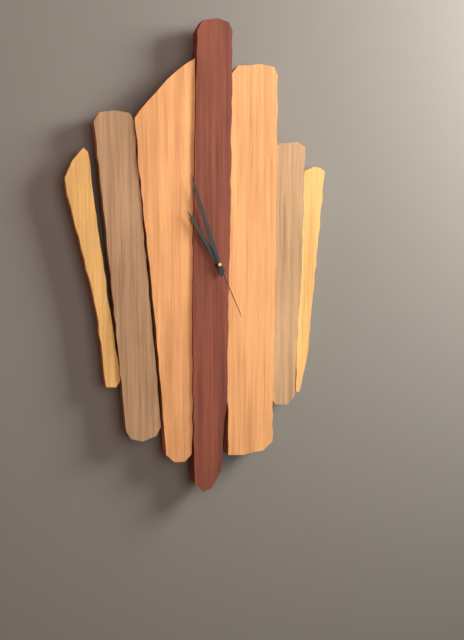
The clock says 10:57:26
